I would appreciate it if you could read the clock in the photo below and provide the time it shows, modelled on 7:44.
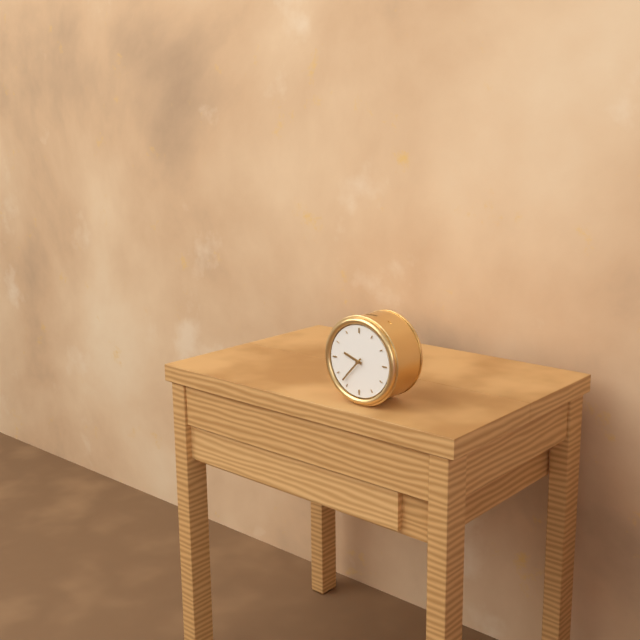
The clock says 9:37
